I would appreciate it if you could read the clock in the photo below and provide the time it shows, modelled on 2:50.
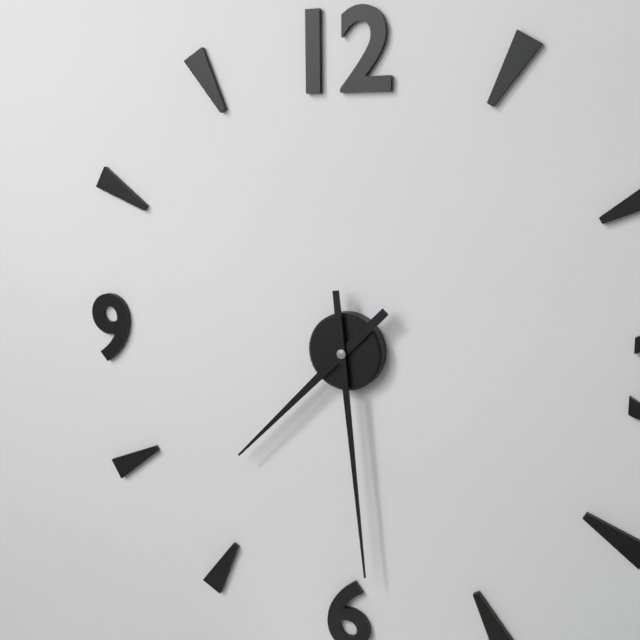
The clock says 7:29
